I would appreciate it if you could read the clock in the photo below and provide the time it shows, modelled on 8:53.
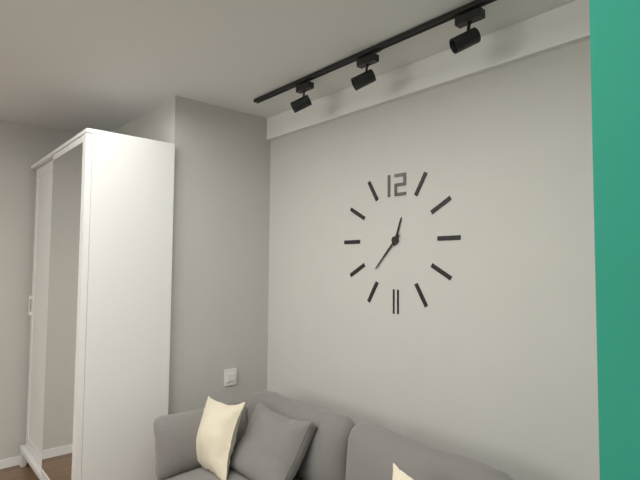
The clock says 12:37
